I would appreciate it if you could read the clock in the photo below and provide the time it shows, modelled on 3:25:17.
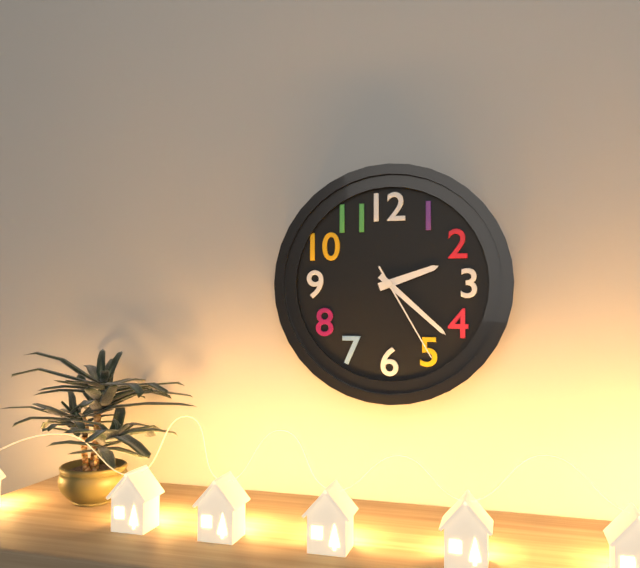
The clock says 2:22:25
